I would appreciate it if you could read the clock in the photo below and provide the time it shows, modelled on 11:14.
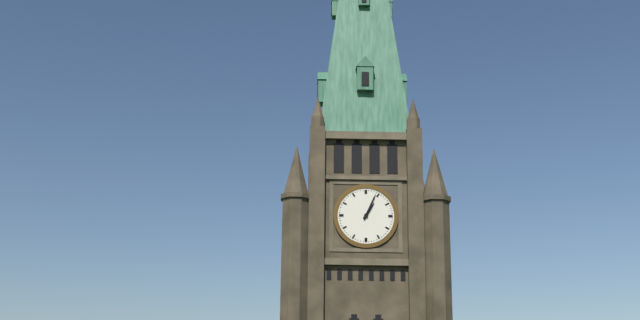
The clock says 1:04
